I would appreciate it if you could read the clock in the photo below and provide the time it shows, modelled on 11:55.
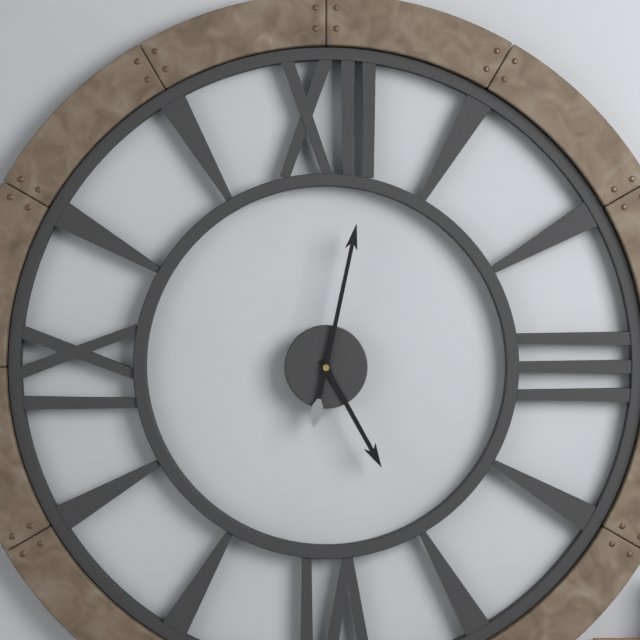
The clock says 5:02
